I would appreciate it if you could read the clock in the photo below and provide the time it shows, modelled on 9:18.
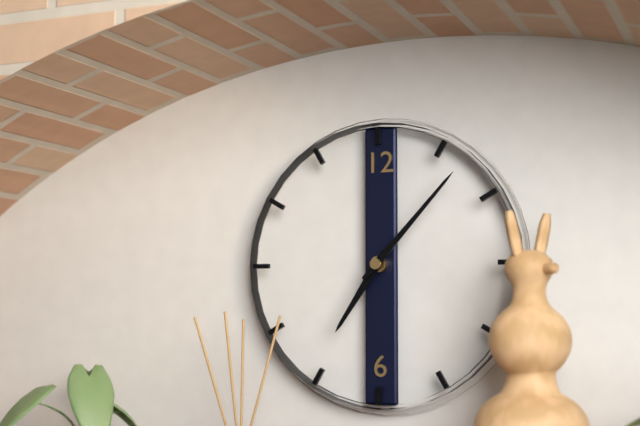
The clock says 7:07
